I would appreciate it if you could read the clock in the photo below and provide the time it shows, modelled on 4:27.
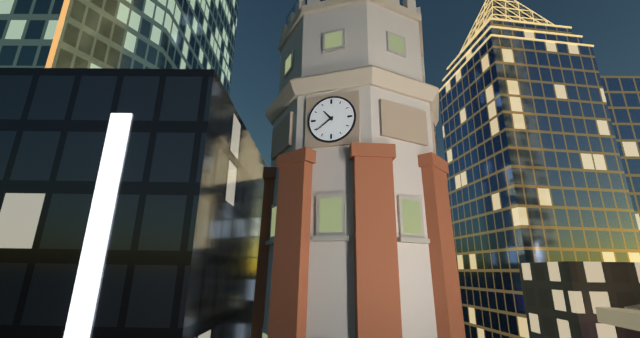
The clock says 10:39
